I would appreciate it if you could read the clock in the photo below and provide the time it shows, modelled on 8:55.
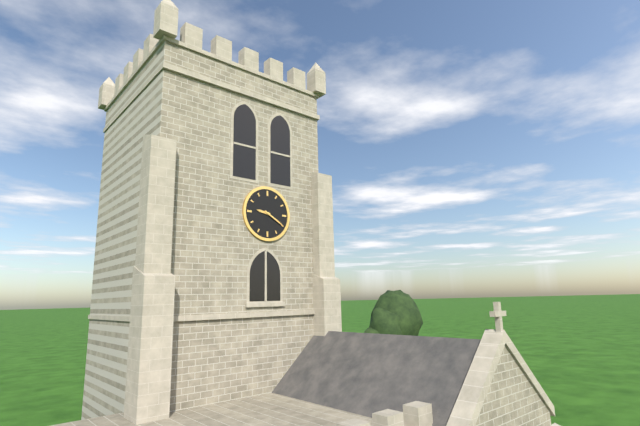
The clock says 9:20
